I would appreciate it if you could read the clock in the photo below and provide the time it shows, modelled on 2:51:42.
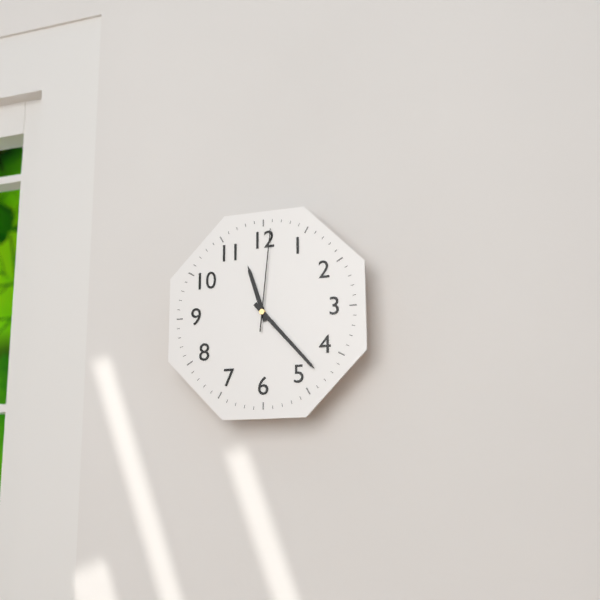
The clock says 11:23:01
